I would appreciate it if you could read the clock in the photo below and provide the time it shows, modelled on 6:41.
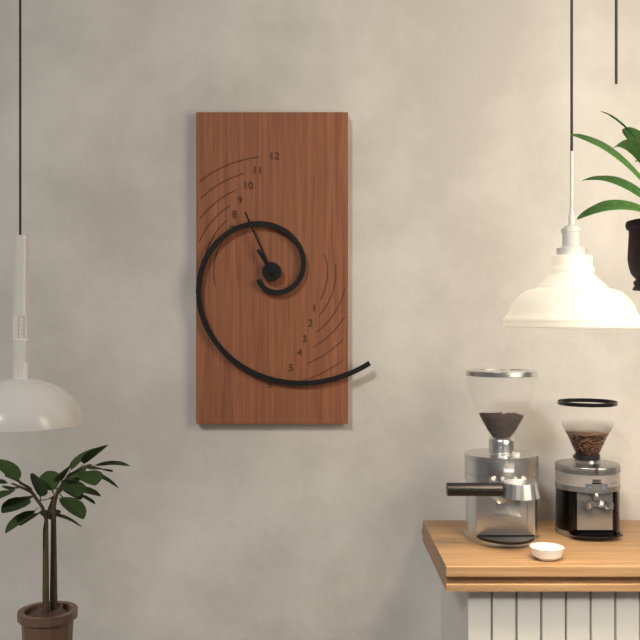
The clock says 10:56
